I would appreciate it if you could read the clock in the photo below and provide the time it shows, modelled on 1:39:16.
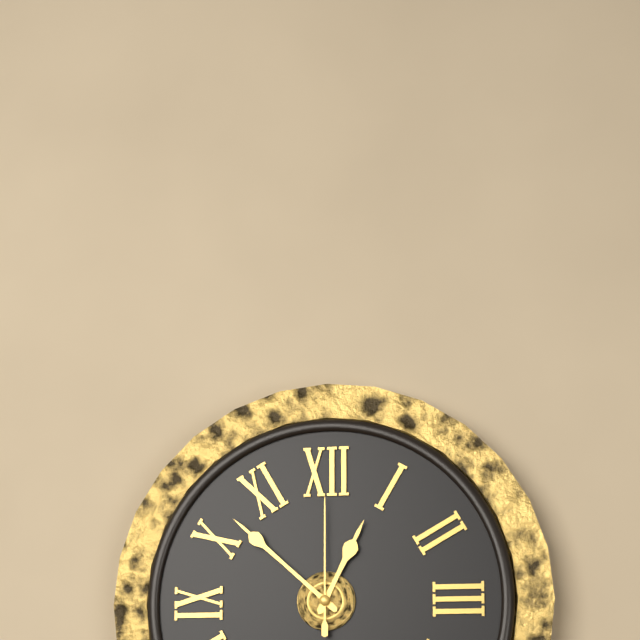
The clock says 12:52:00
